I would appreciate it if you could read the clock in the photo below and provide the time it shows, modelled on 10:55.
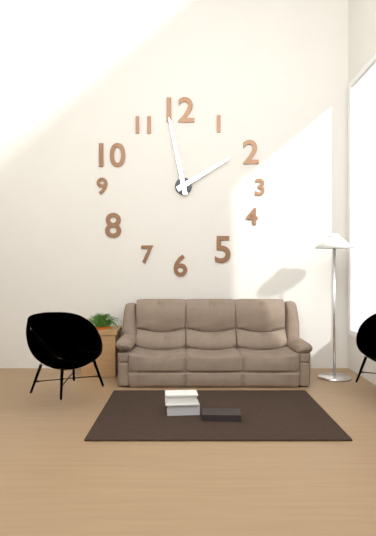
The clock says 1:58
